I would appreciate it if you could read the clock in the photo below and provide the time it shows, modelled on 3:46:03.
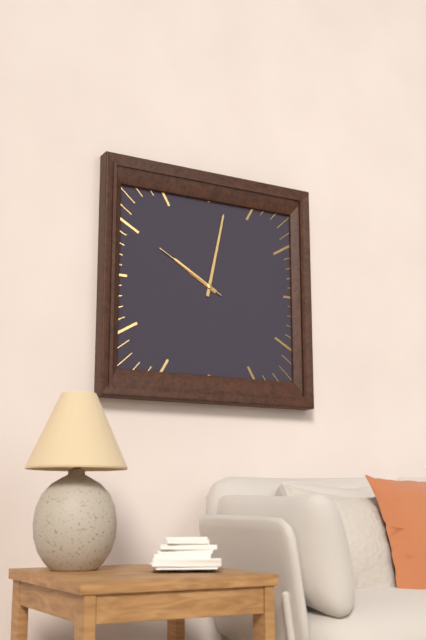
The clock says 10:02:50
